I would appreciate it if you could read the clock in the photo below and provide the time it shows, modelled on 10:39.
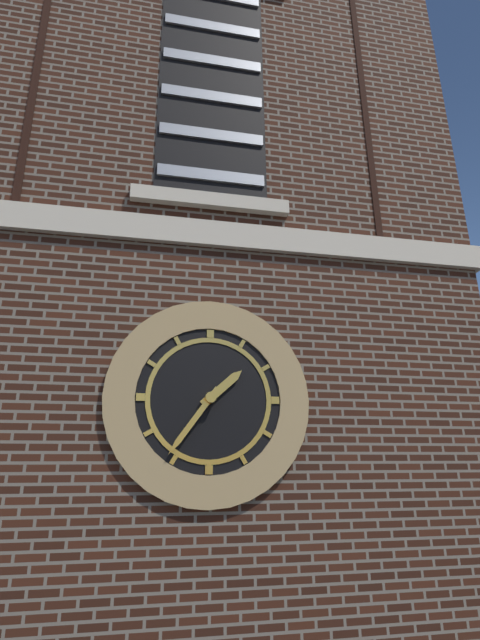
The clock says 1:36
